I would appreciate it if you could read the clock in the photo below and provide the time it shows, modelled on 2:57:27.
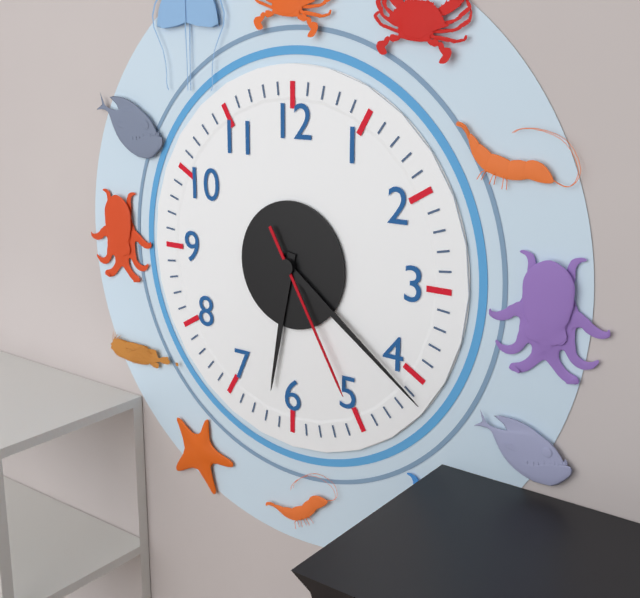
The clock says 6:21:25
